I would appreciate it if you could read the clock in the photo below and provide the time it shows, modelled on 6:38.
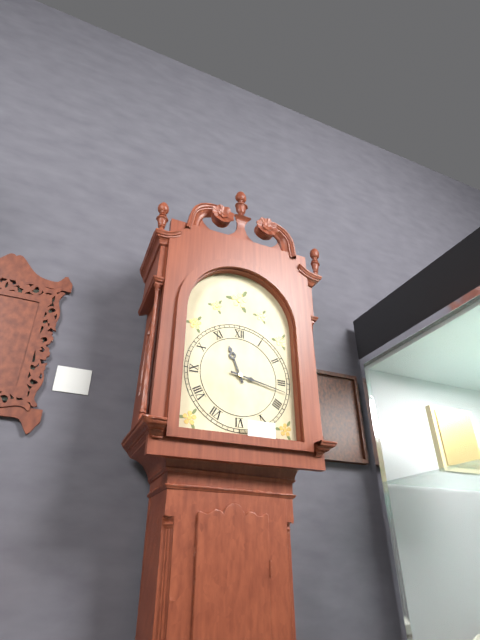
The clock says 11:17
